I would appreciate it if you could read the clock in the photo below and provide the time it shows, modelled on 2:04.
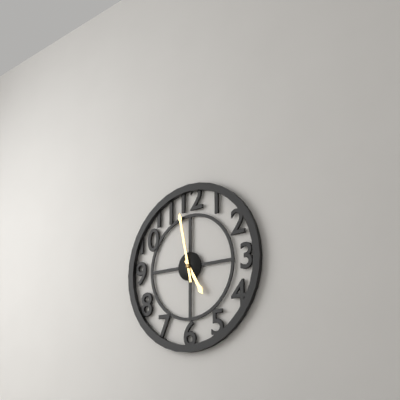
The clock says 4:58
